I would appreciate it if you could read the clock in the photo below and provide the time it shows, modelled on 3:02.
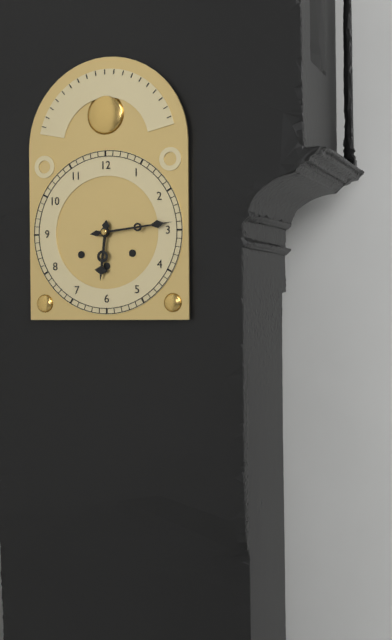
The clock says 6:14
